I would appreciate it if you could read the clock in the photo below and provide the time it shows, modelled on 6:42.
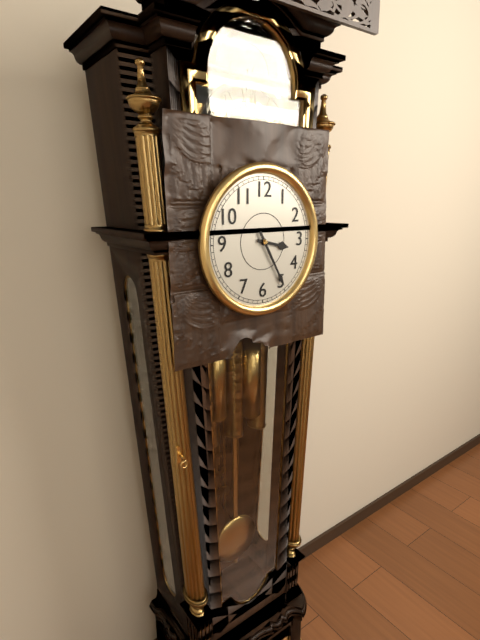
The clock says 3:25
